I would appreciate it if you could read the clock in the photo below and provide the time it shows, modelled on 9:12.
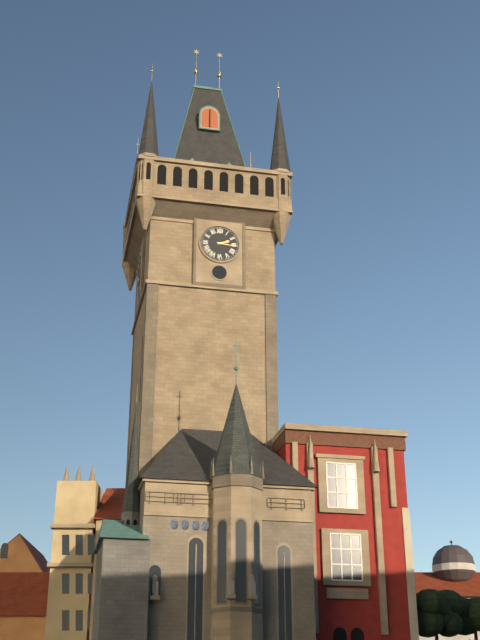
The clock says 2:16
